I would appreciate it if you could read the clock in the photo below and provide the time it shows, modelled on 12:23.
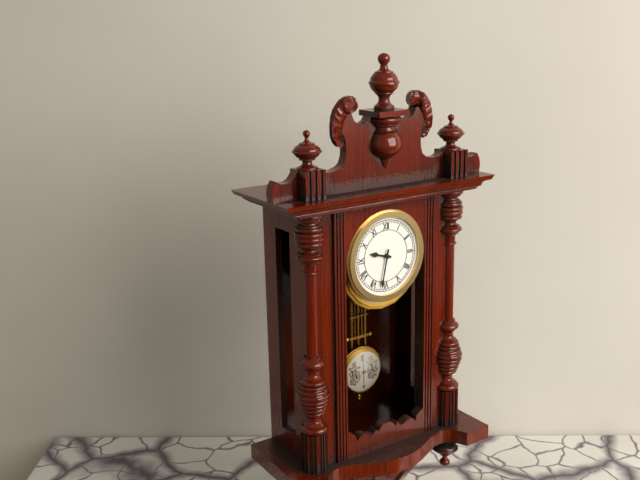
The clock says 9:32
